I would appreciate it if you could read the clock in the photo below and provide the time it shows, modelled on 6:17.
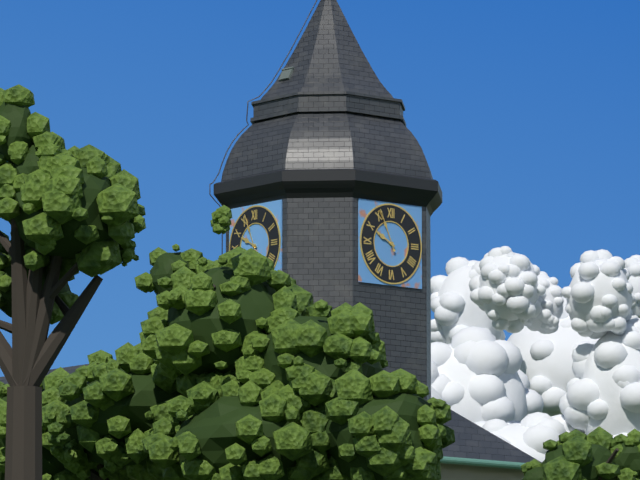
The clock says 9:56
